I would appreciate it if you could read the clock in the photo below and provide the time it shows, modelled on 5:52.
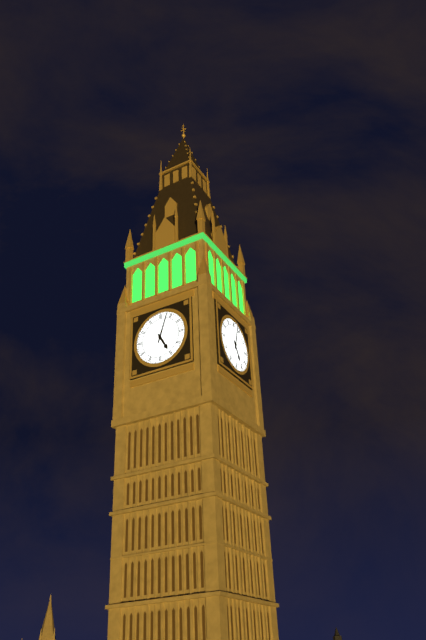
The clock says 5:03
